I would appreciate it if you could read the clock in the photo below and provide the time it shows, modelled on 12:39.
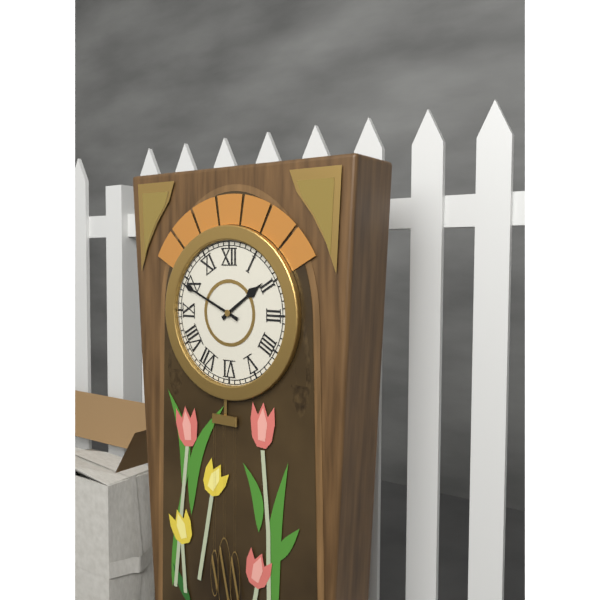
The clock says 1:49
